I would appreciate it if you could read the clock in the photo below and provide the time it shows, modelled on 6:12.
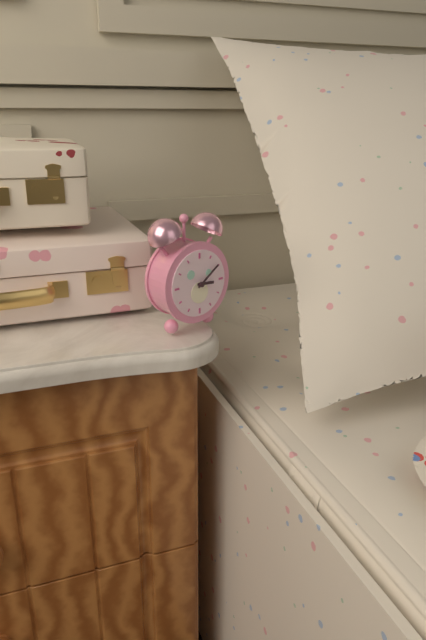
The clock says 3:09
